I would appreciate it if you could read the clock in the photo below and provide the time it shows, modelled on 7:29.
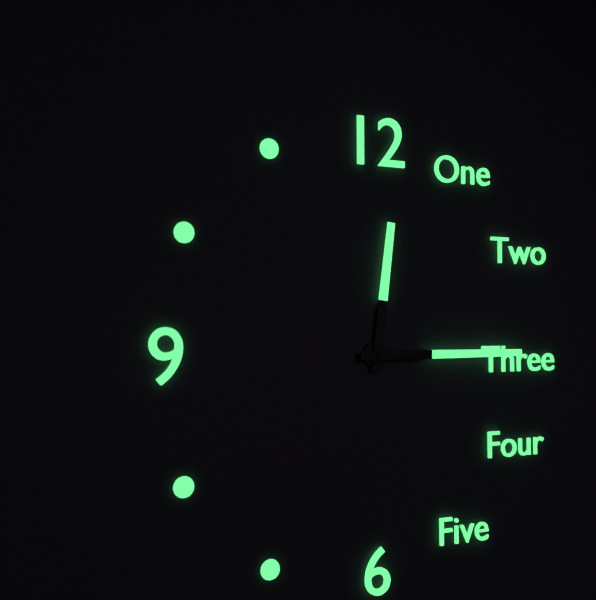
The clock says 12:15
